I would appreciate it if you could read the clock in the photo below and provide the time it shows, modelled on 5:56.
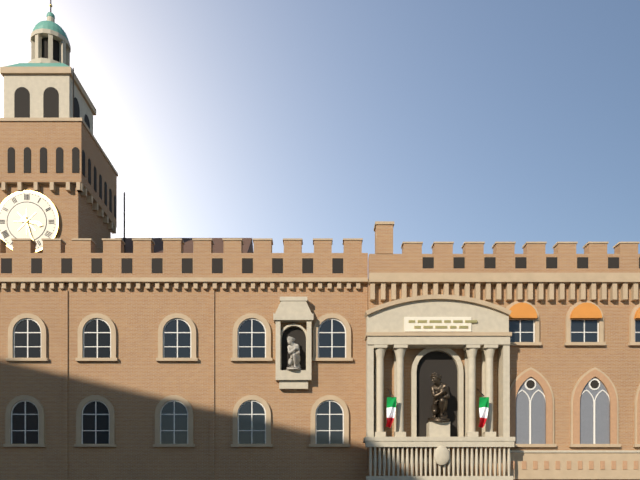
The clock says 3:27
